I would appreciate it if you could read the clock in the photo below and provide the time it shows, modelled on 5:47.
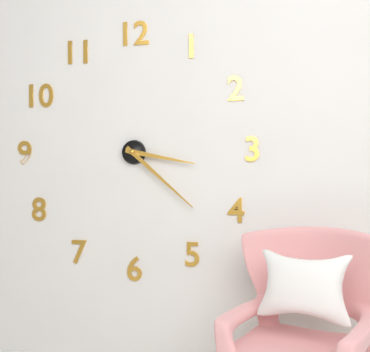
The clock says 3:22
